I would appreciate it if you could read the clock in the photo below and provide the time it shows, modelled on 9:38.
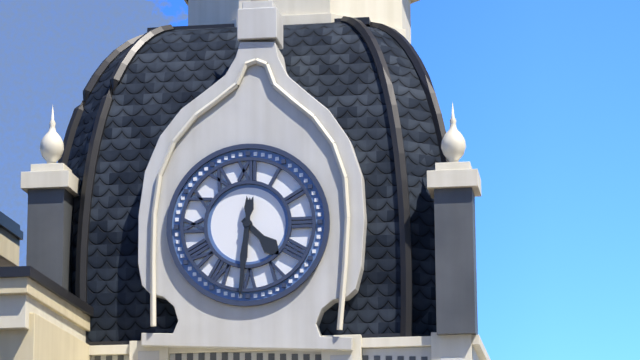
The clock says 4:31
